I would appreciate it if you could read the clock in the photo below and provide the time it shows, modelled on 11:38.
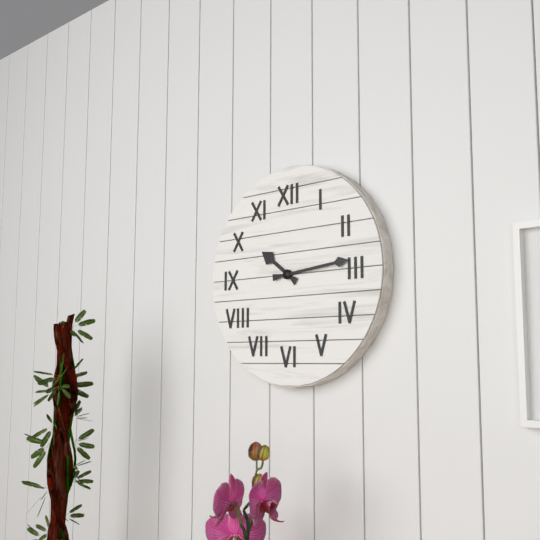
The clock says 10:14
